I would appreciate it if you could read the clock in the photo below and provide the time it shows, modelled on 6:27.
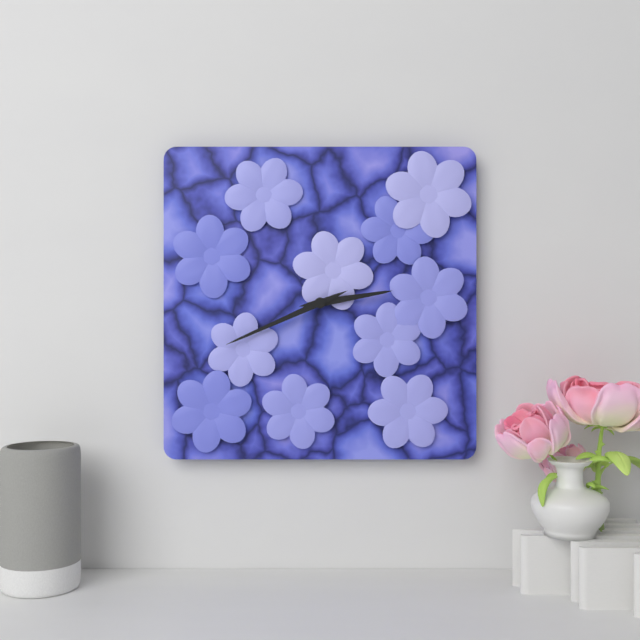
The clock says 2:41
